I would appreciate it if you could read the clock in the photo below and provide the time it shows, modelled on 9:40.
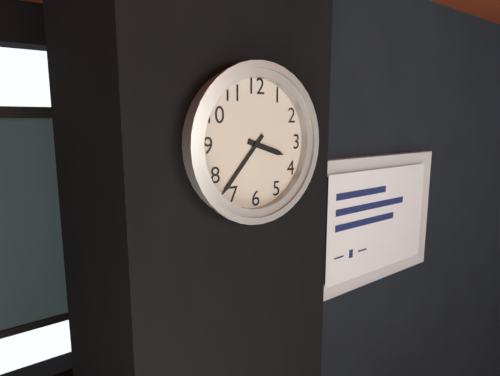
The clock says 3:37
